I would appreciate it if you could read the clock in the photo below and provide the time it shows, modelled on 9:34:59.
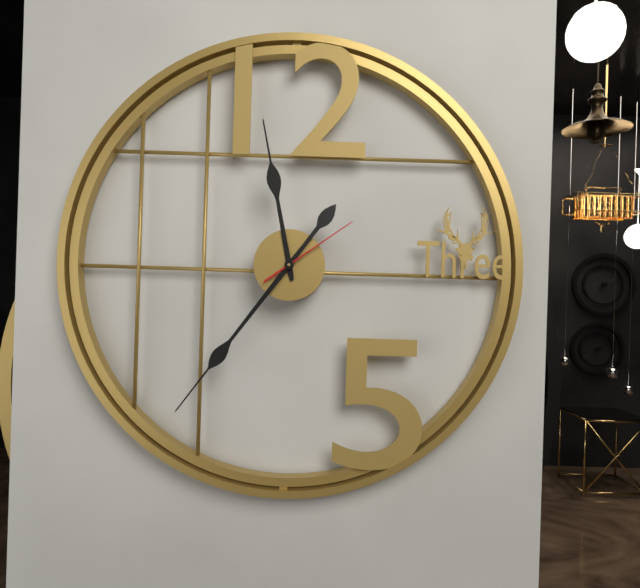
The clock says 11:36:09
